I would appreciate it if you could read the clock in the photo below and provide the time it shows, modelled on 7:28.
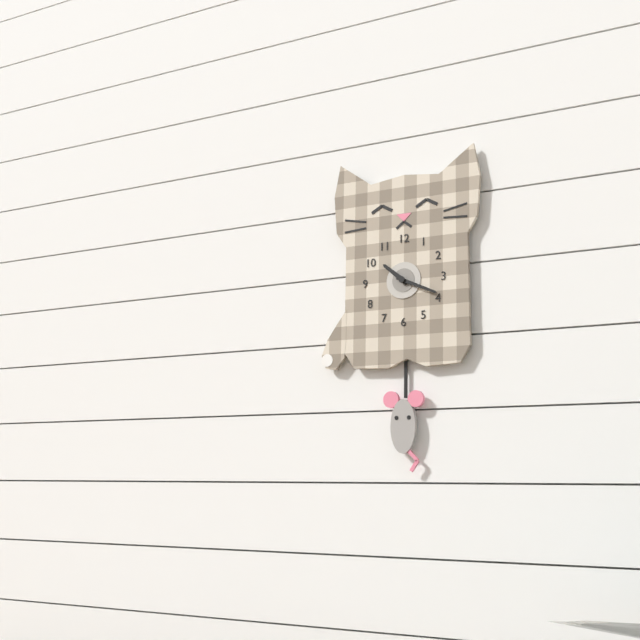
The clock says 10:19
